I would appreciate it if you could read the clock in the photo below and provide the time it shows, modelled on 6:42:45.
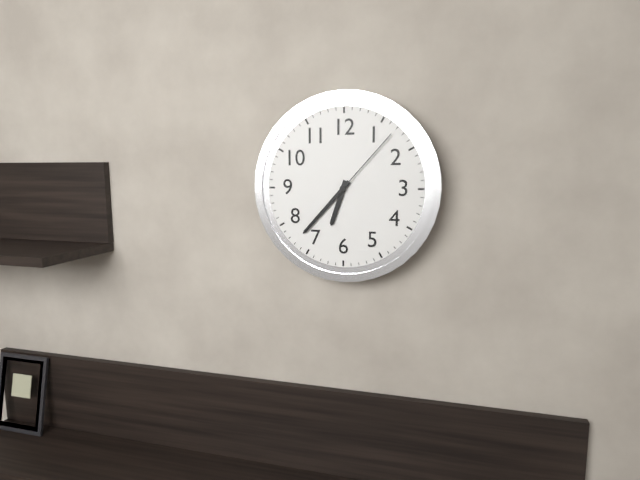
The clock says 6:37:07
